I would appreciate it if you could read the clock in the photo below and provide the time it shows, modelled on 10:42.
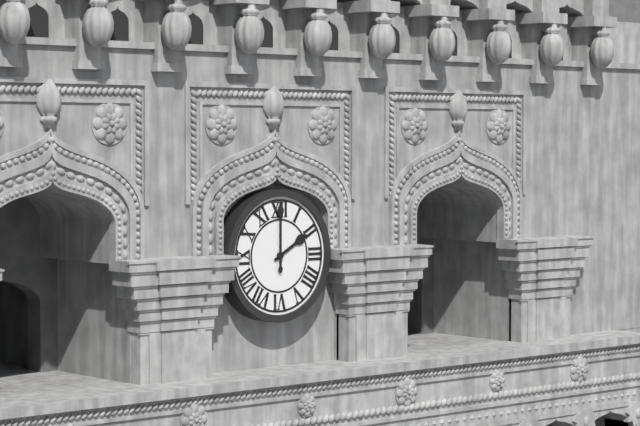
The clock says 2:00
